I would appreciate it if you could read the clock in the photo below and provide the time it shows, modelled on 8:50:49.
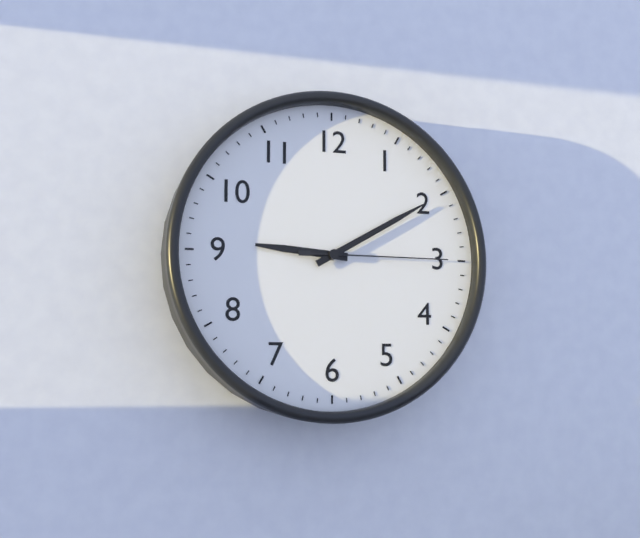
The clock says 9:10:15
